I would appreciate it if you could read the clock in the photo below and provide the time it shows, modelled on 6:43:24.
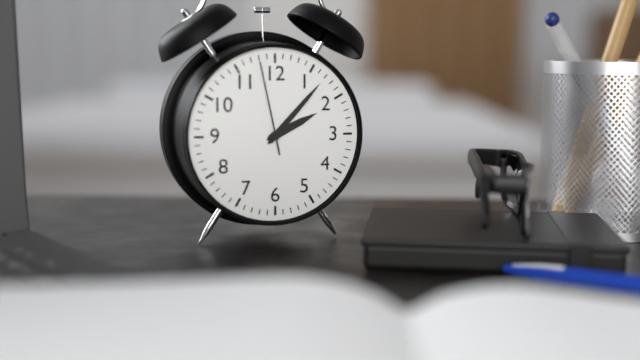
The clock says 2:07:58
